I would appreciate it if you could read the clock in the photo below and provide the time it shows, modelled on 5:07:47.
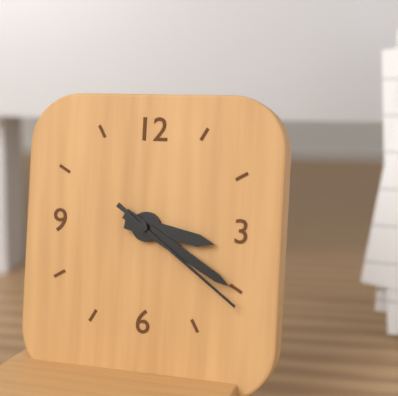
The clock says 3:20:21
